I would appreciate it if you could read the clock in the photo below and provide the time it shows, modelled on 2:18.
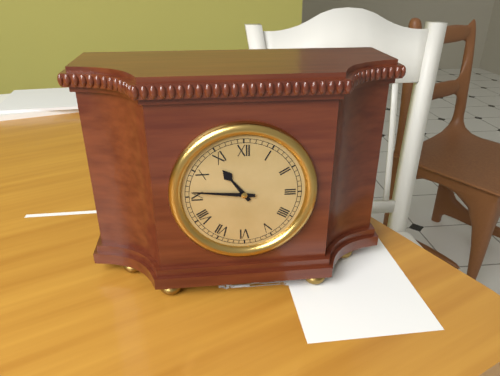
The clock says 10:46
